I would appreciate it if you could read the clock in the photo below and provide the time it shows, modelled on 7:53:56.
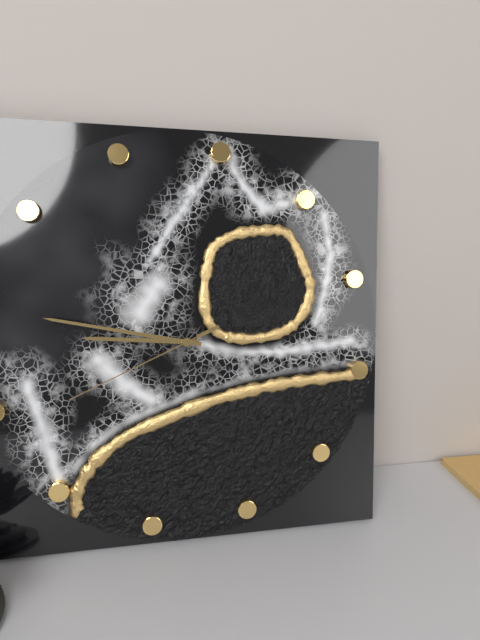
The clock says 8:45:39
